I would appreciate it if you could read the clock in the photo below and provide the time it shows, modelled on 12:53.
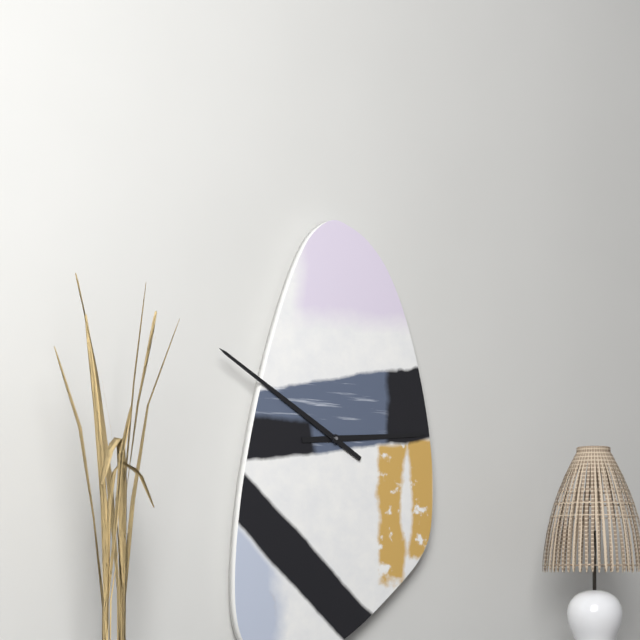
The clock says 2:50
